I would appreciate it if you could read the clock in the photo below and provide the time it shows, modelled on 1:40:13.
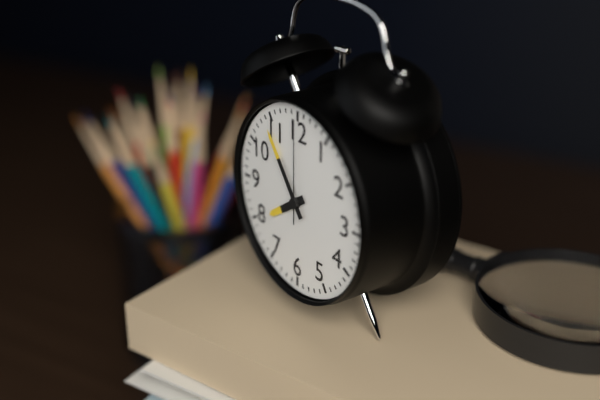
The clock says 7:54:00
